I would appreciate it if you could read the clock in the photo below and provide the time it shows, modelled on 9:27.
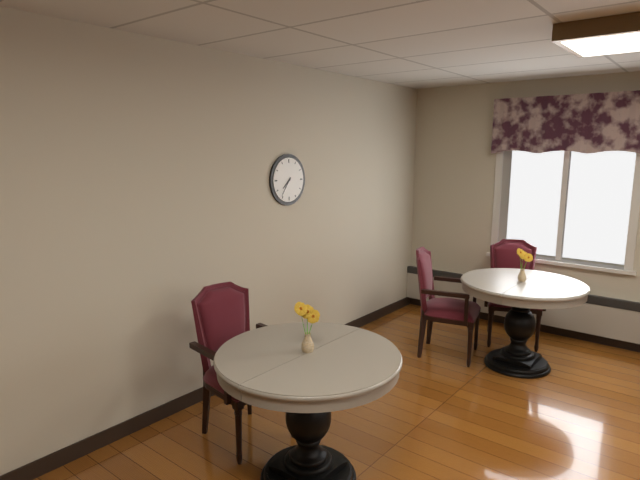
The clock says 7:36
